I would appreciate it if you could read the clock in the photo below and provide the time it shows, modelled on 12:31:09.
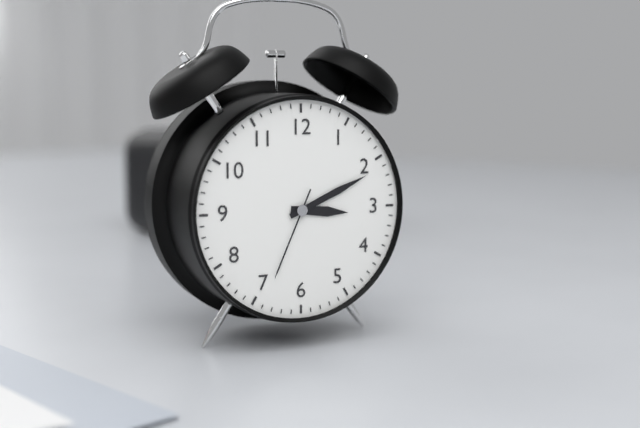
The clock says 3:11:34
